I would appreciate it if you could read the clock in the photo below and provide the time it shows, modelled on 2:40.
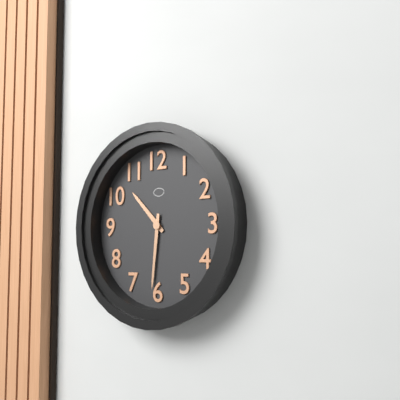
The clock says 10:31
